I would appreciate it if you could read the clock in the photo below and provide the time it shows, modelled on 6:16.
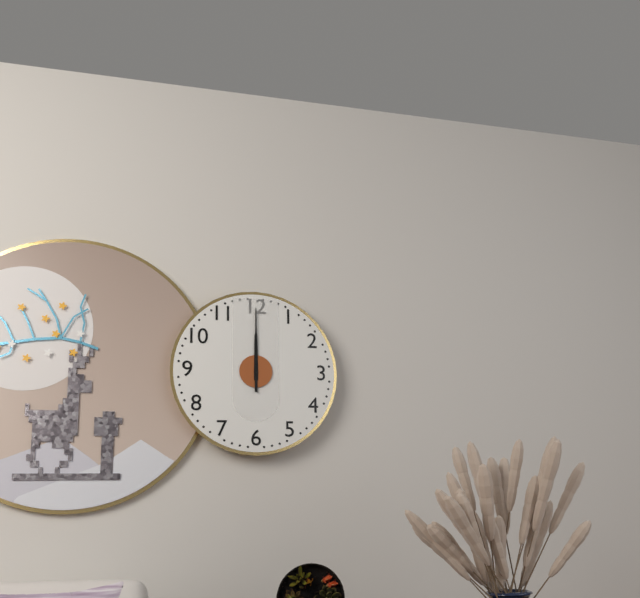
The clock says 12:00
